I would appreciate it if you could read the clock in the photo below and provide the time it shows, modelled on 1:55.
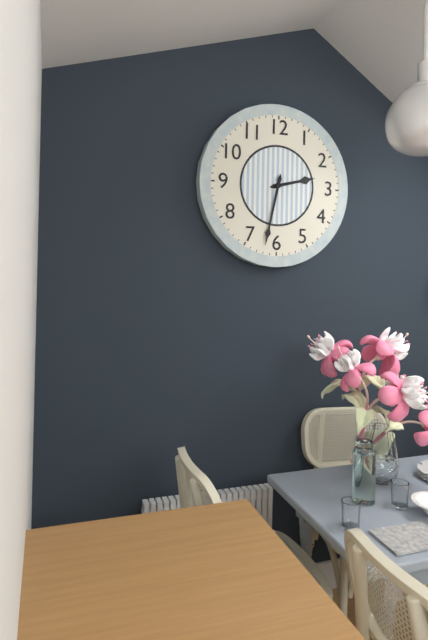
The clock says 2:32
